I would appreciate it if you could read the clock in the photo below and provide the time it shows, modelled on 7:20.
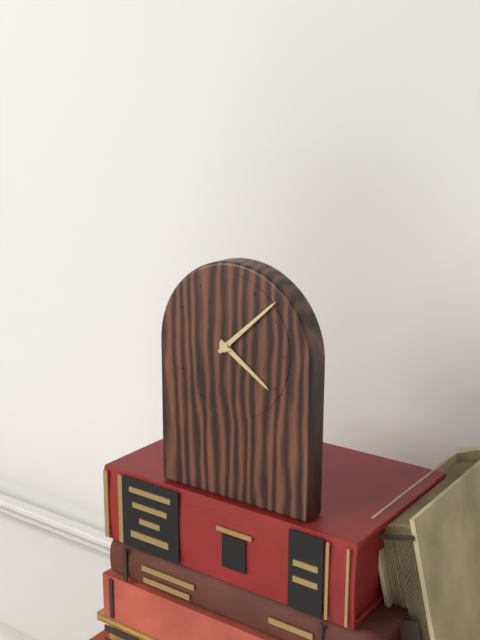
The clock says 4:08
